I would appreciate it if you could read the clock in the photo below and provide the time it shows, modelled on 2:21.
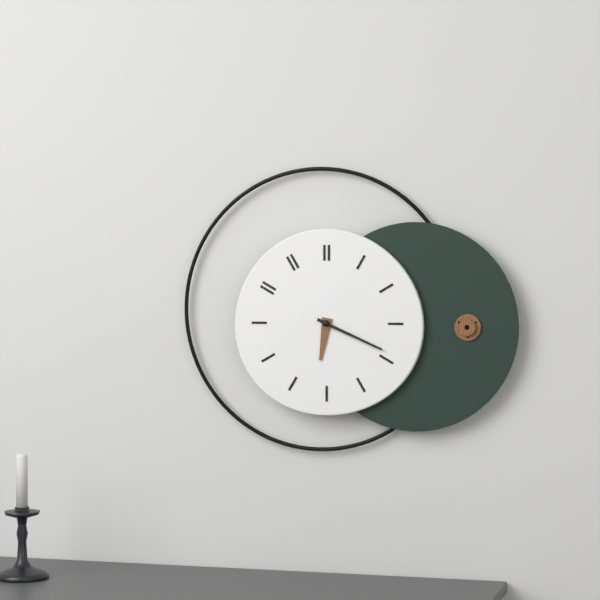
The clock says 6:19
